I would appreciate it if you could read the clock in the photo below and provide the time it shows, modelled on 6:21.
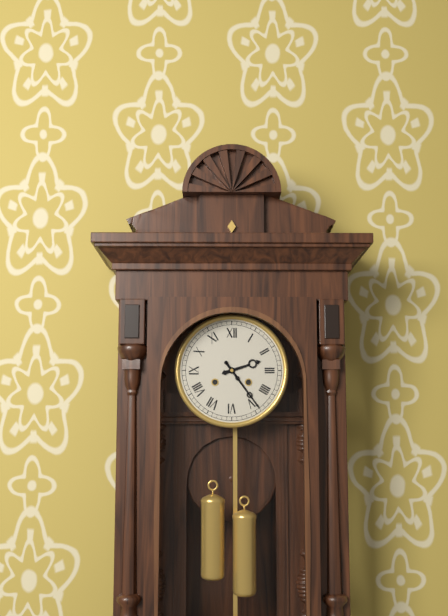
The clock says 2:24
